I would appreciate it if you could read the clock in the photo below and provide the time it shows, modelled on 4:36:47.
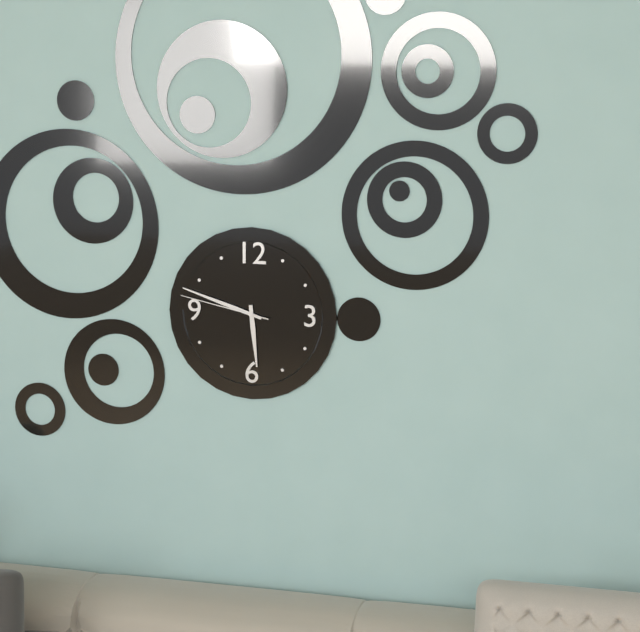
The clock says 5:48:47
